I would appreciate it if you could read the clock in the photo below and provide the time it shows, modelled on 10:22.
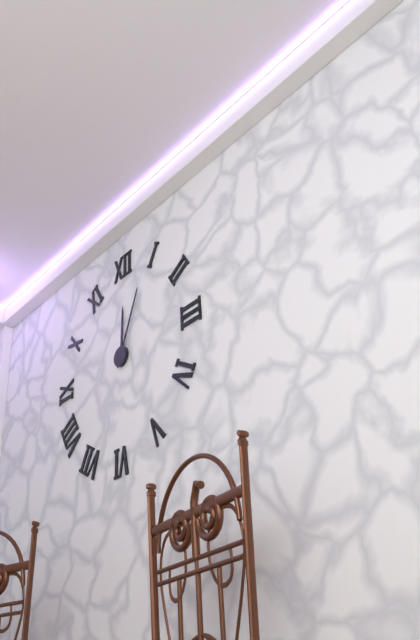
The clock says 12:04
